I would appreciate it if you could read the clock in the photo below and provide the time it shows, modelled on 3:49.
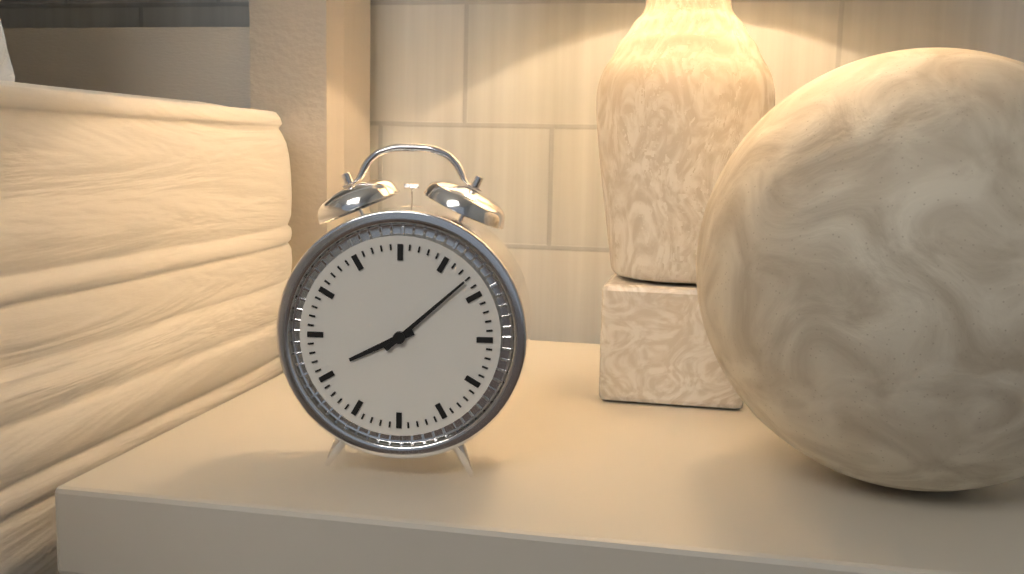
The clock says 8:08
